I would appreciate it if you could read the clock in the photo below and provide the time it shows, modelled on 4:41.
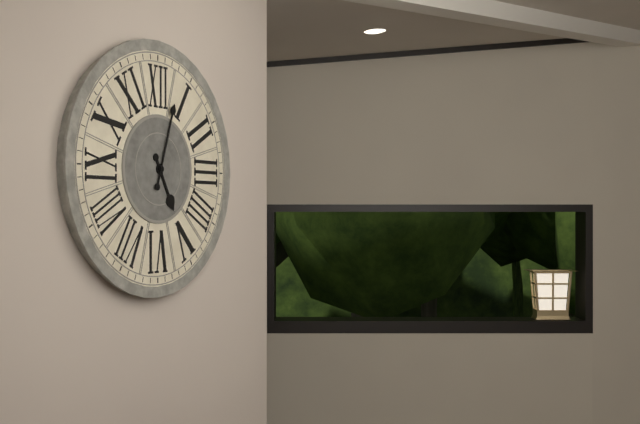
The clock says 5:03
